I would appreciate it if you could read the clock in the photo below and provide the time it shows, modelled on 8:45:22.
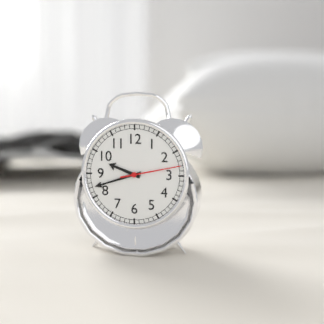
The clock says 9:42:13
